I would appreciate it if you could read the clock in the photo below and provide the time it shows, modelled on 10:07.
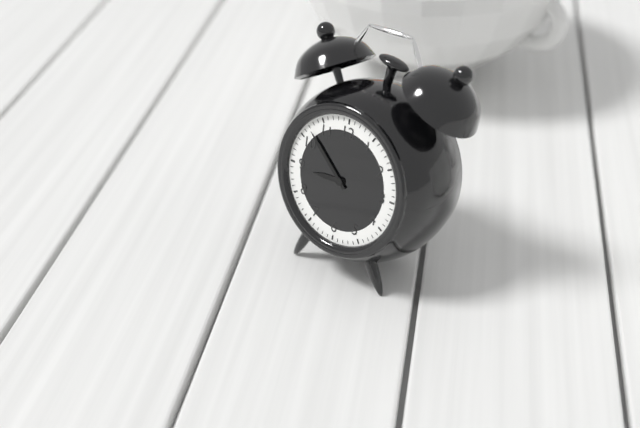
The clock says 8:52
